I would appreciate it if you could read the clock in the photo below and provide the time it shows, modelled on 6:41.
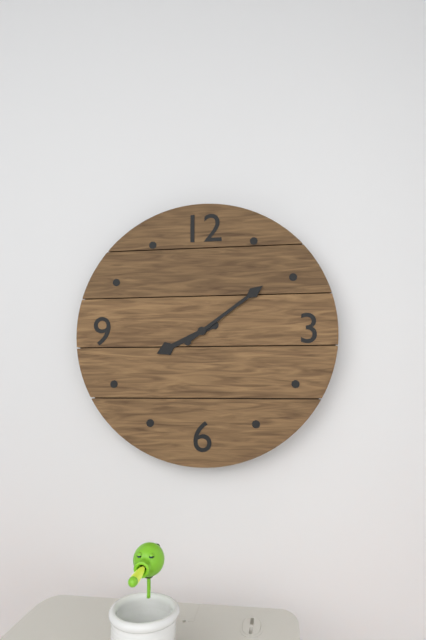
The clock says 8:09
